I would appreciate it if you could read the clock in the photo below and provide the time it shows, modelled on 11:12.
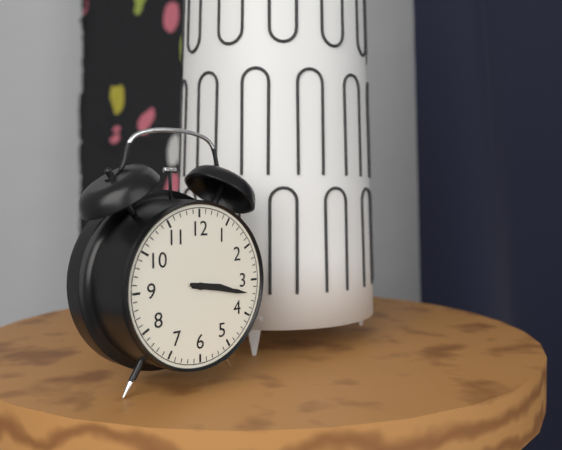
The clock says 3:17
